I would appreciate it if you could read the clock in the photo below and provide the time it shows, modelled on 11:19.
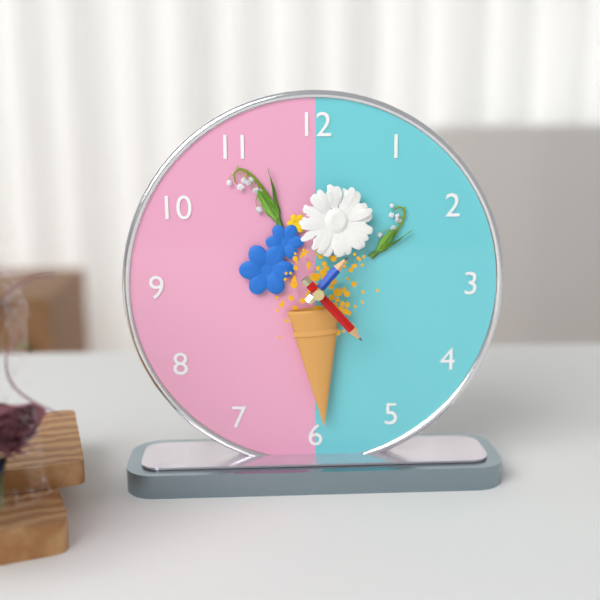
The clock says 1:23
